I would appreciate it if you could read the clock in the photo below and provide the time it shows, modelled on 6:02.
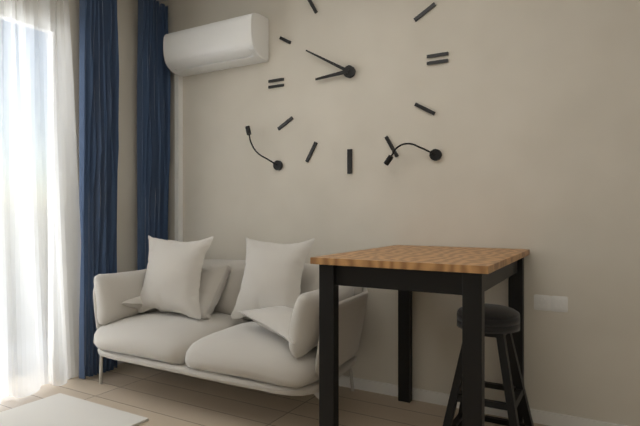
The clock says 8:50
